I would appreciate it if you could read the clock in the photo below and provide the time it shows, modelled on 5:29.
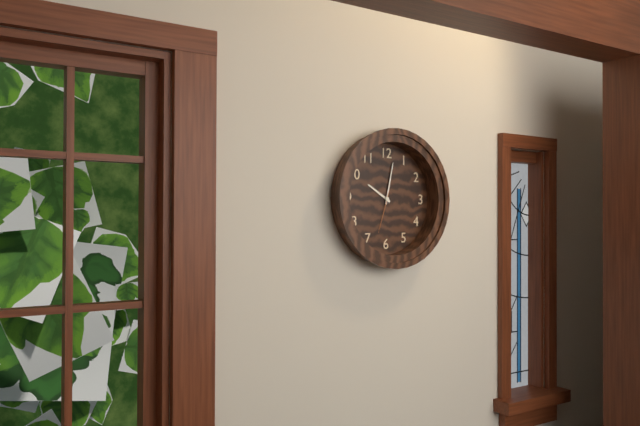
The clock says 10:02
